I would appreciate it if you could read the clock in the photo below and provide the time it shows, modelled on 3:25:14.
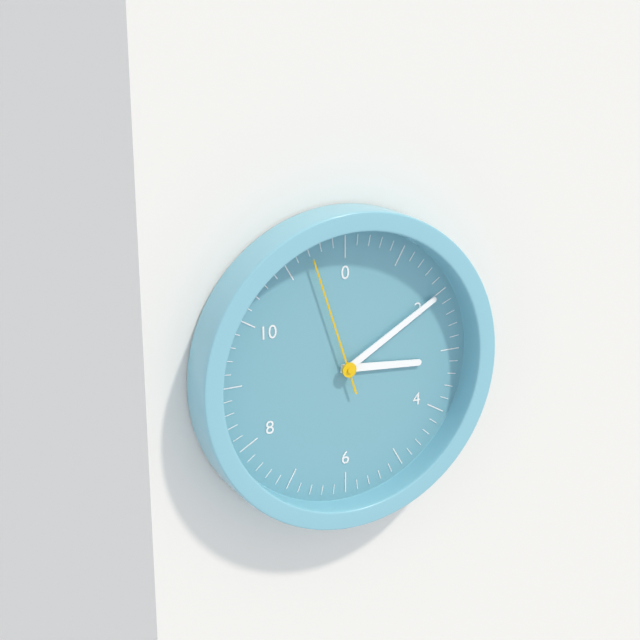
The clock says 3:10:57
